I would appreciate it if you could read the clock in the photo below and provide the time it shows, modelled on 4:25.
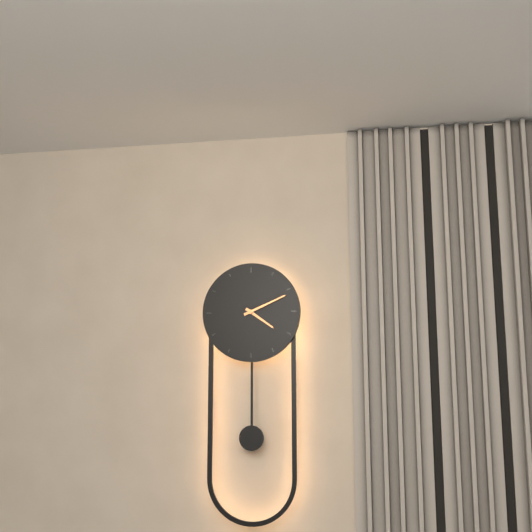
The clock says 4:11
